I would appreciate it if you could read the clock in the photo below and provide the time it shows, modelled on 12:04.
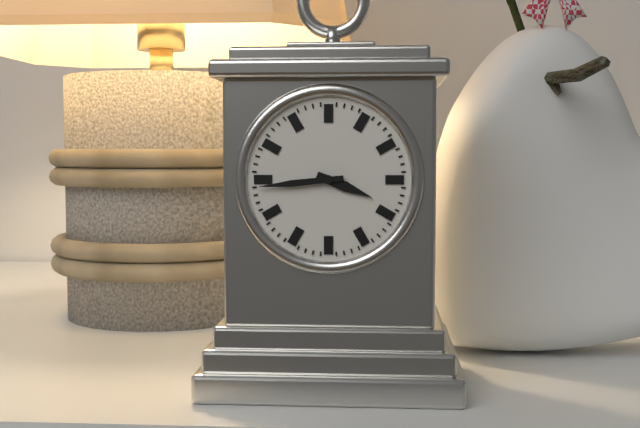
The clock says 3:44
